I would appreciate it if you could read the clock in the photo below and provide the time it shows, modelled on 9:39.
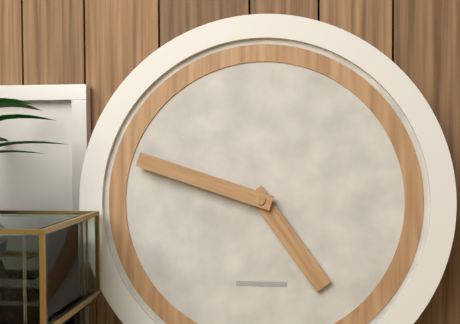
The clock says 4:48
